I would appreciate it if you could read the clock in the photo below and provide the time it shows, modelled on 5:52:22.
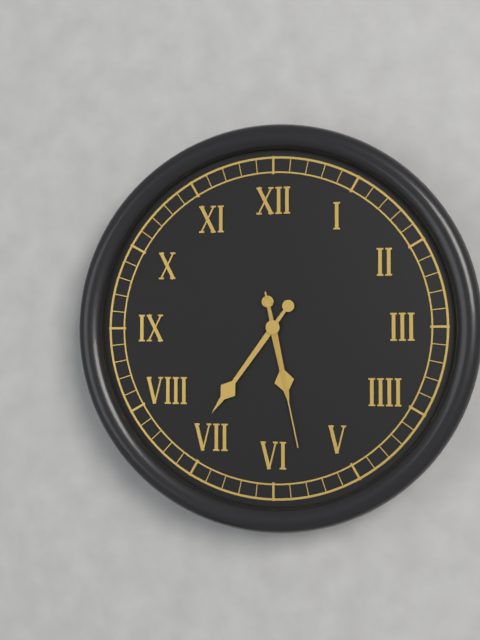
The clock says 5:36:28
